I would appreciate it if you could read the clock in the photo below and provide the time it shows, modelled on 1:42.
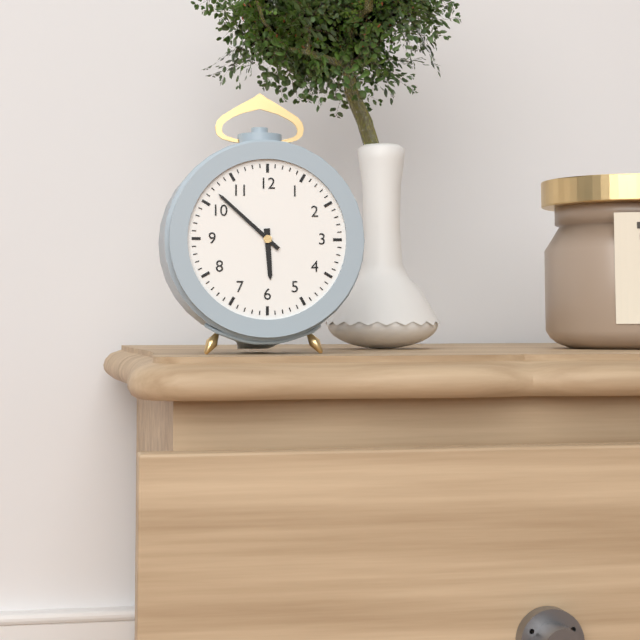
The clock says 5:52
